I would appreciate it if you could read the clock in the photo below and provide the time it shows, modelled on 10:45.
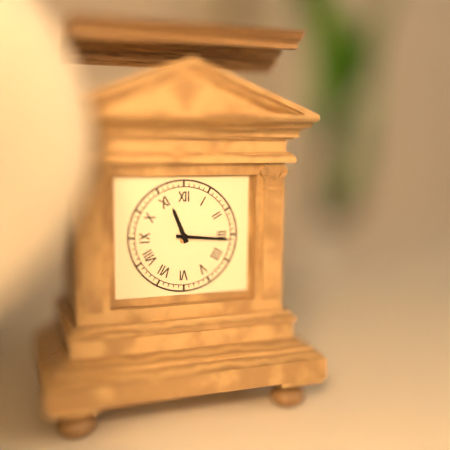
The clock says 11:16
